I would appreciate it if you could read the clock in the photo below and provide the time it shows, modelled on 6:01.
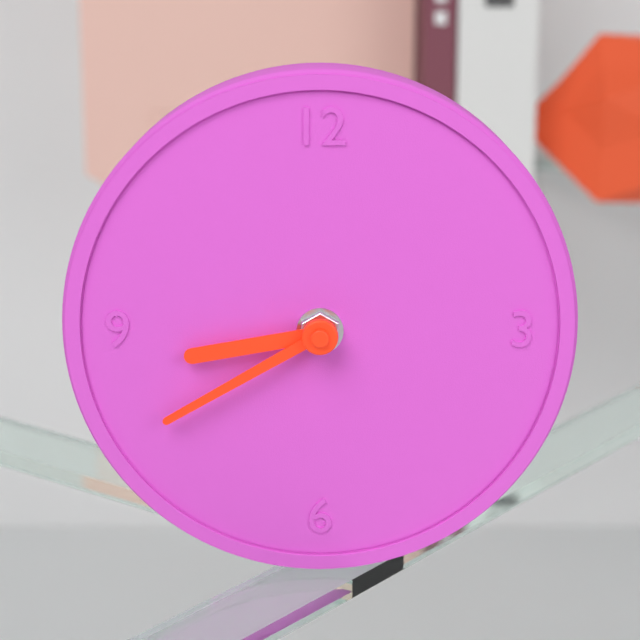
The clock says 8:40
